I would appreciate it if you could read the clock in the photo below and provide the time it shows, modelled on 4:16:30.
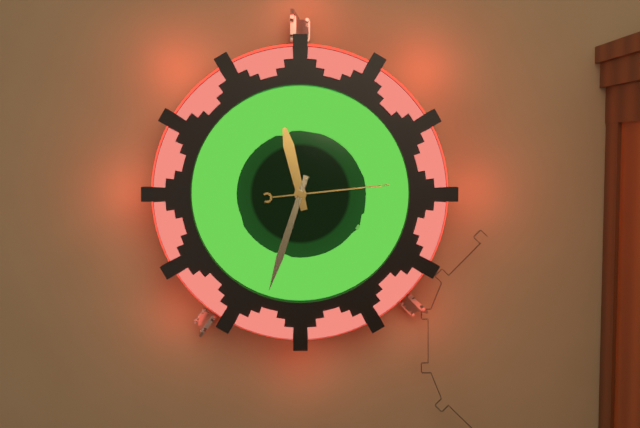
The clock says 11:33:14
